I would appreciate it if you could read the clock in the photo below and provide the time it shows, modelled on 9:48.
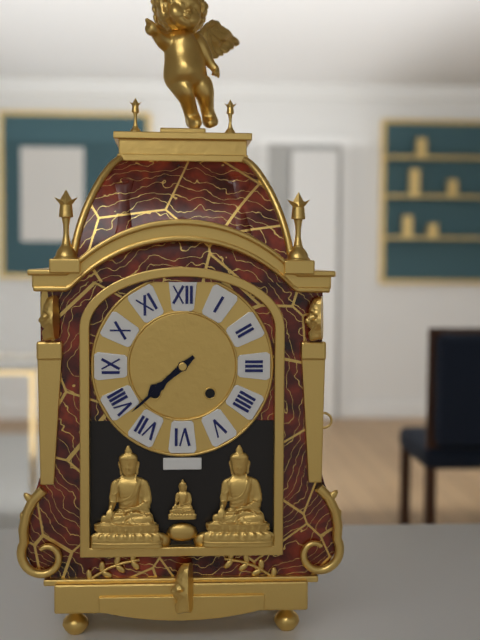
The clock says 7:38
